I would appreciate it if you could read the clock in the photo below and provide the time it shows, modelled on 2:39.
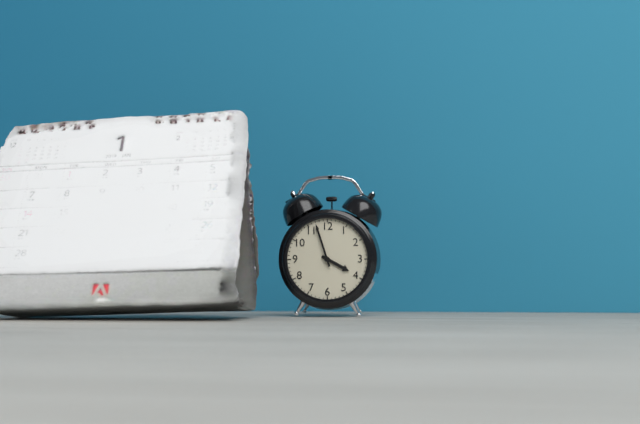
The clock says 3:57
